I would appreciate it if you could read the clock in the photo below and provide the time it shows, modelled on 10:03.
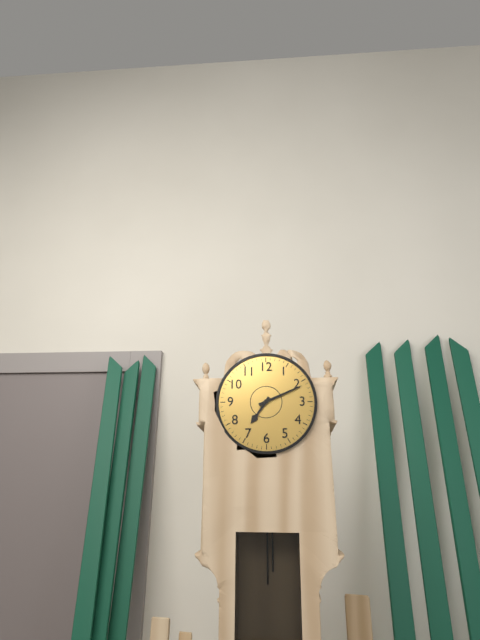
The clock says 7:11
